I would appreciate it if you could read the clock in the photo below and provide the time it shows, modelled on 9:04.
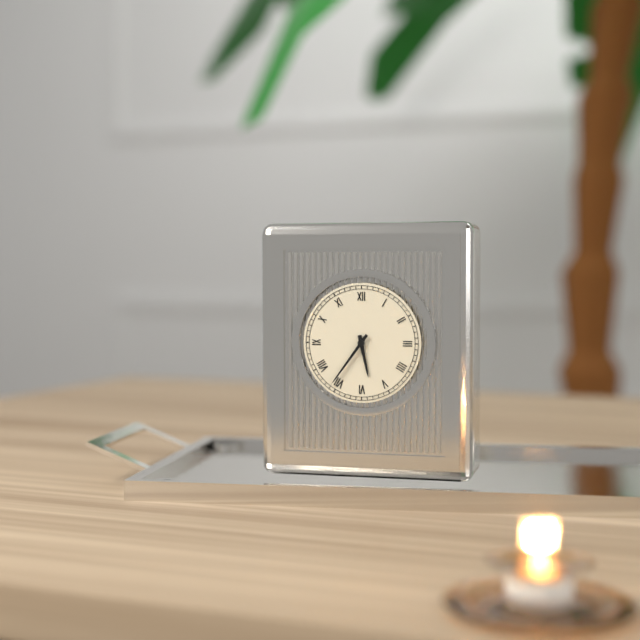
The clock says 5:36
